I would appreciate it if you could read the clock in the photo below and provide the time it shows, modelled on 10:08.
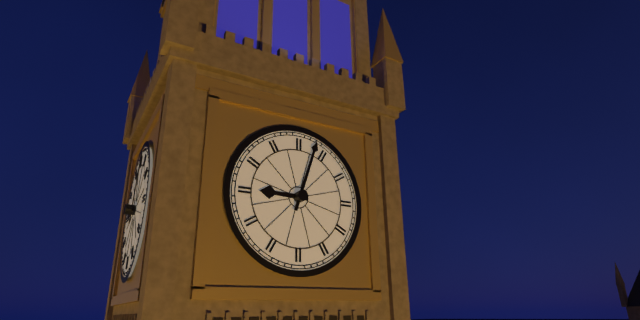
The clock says 9:03
